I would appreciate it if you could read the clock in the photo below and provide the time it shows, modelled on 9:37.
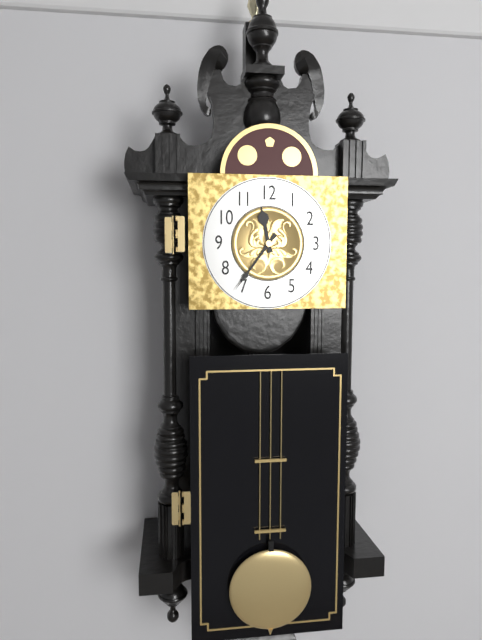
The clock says 11:36
